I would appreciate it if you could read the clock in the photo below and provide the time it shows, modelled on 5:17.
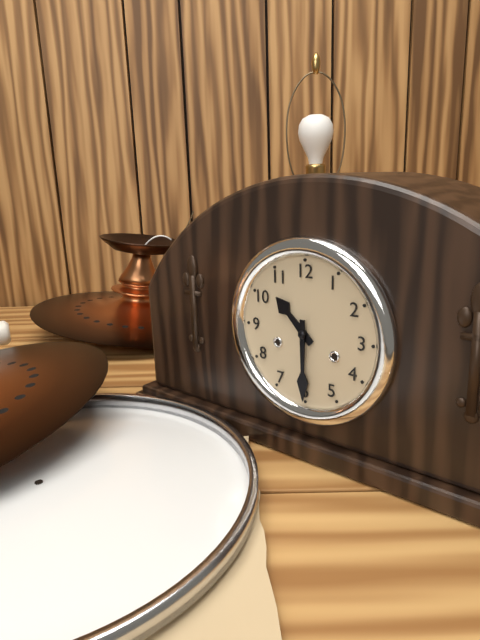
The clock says 10:30
